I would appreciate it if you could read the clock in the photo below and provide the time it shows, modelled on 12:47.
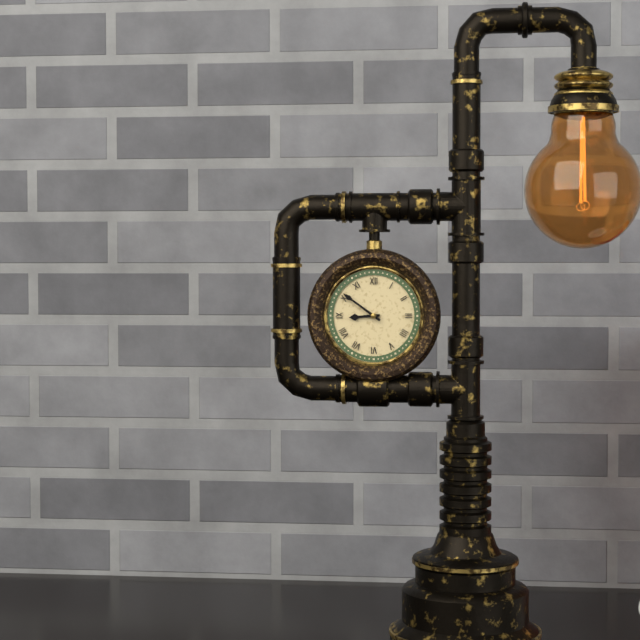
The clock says 8:51
